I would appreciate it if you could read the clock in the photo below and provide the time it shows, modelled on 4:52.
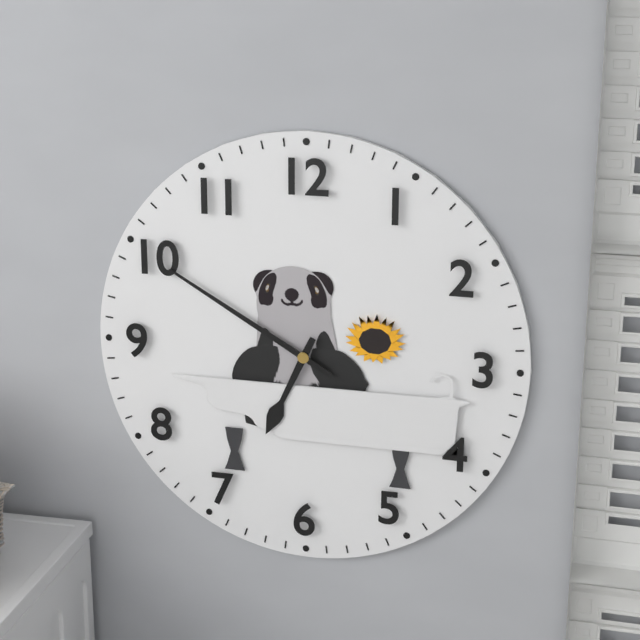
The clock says 6:50
